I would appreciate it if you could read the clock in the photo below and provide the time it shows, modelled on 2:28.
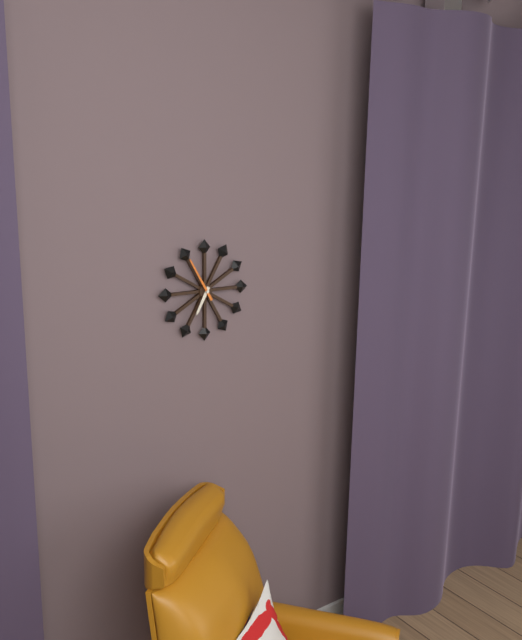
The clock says 6:55
